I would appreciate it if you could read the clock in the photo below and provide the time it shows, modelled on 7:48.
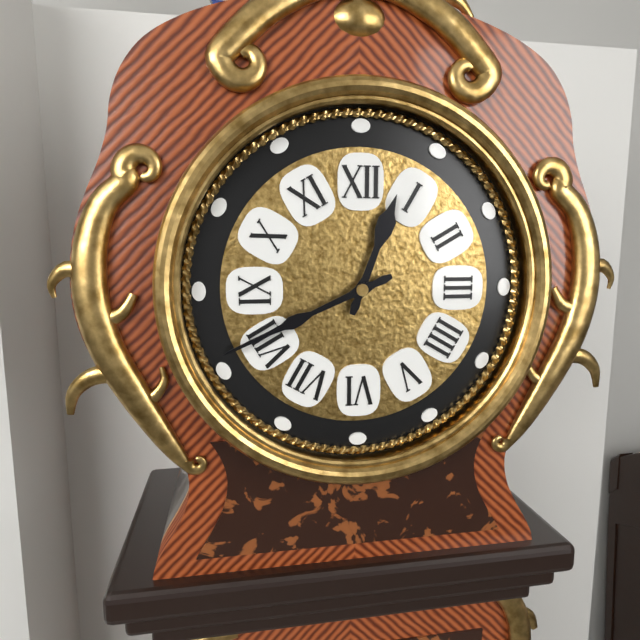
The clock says 12:41
